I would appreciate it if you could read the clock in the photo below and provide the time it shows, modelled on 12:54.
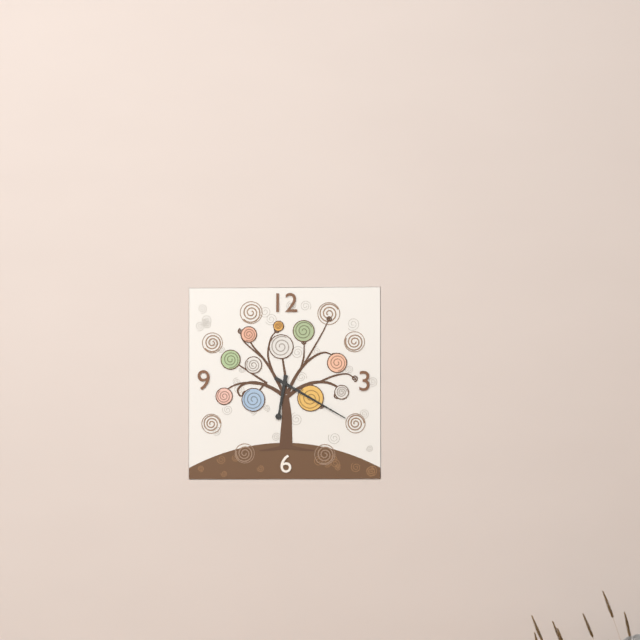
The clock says 6:20
